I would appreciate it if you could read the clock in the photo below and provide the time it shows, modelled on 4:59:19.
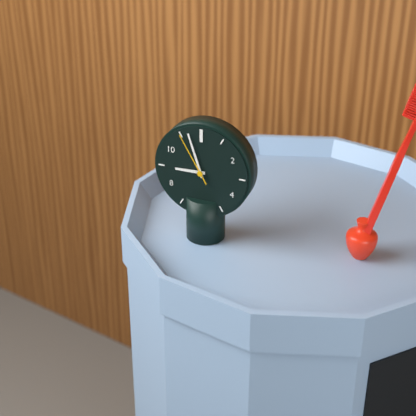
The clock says 8:57:55
